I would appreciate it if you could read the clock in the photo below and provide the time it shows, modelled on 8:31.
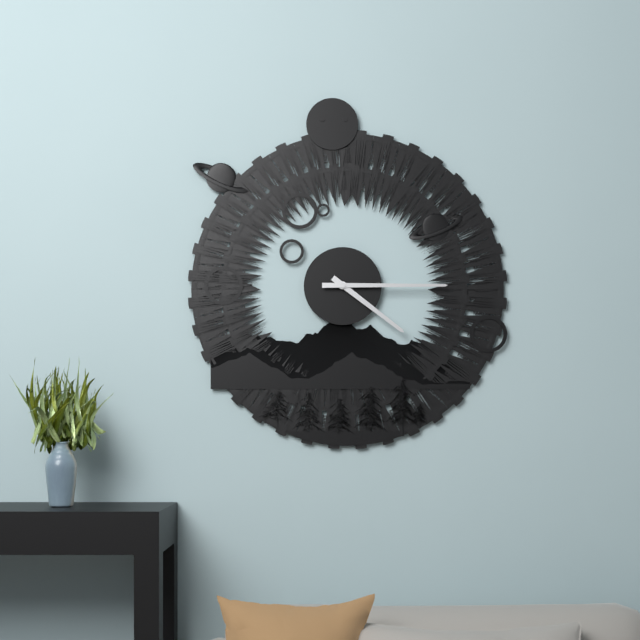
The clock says 4:15
